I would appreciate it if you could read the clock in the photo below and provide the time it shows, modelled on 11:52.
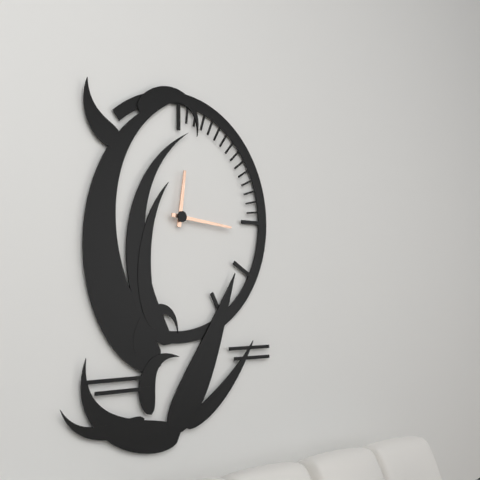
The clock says 12:16
